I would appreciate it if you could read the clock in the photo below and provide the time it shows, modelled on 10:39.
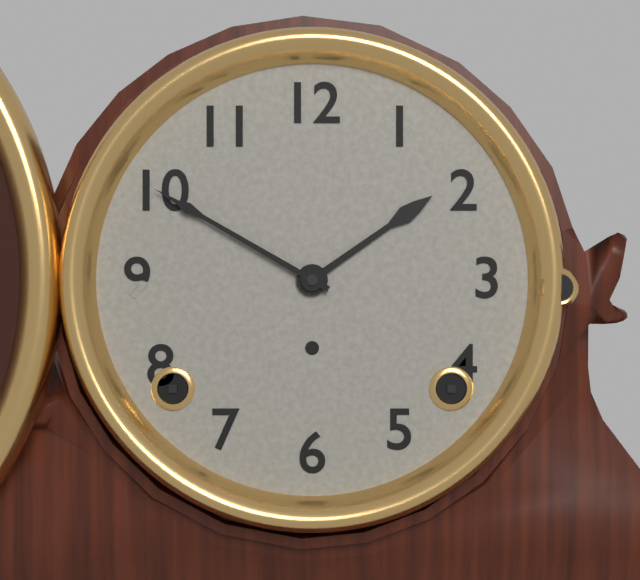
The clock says 1:50
